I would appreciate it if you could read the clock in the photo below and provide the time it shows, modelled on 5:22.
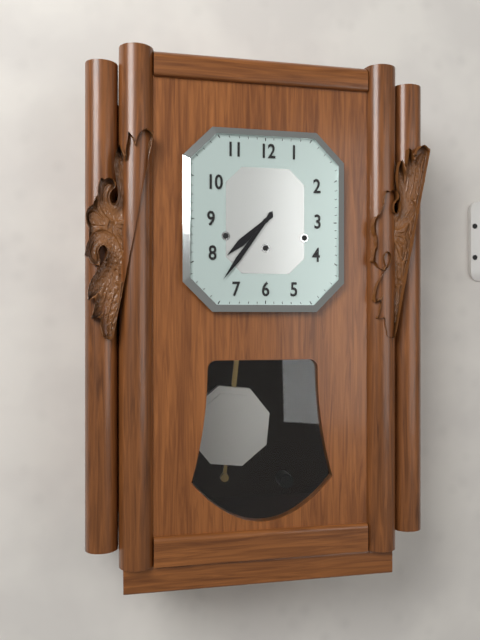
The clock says 7:36
